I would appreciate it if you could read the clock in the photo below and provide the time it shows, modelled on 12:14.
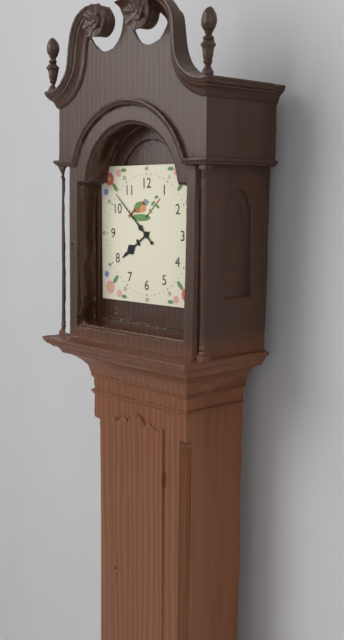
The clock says 7:52
